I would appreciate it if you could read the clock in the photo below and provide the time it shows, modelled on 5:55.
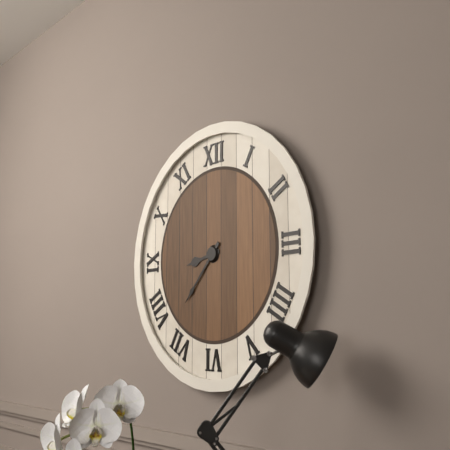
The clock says 8:37
